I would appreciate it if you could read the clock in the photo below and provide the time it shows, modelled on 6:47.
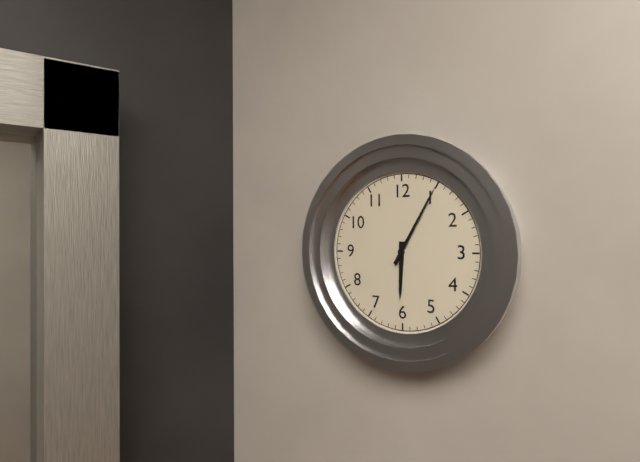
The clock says 6:05
